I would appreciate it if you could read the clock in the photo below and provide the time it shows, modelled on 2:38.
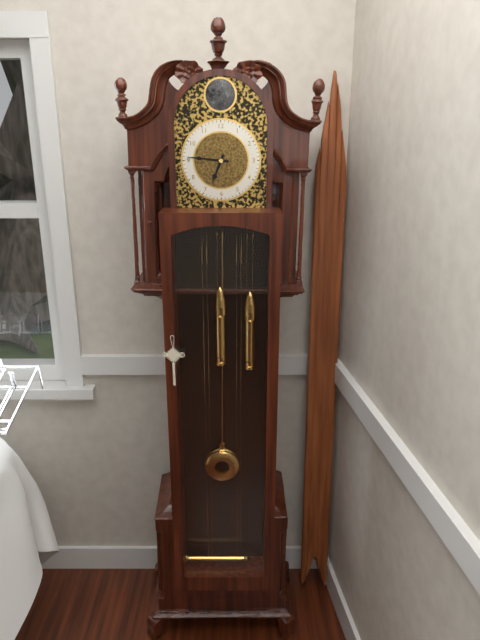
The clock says 6:46
